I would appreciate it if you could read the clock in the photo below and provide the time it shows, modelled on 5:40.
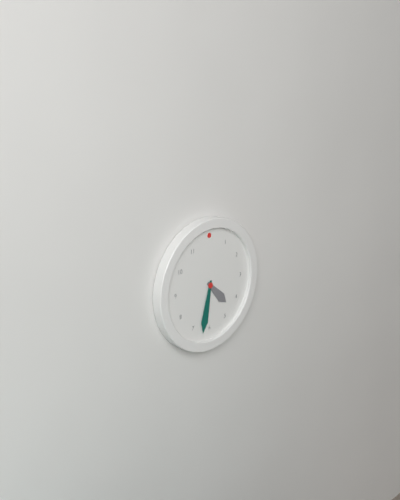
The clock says 4:32
